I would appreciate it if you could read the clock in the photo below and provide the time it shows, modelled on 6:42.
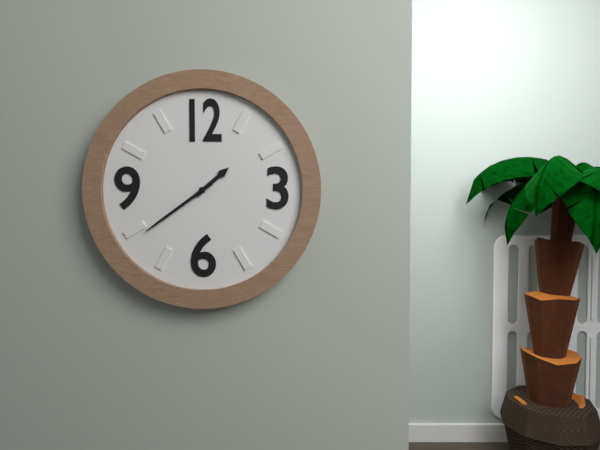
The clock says 1:39
